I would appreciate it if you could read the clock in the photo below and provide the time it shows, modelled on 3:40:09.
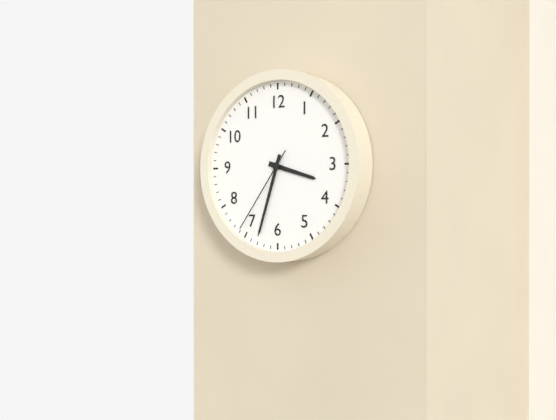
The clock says 3:33:36
